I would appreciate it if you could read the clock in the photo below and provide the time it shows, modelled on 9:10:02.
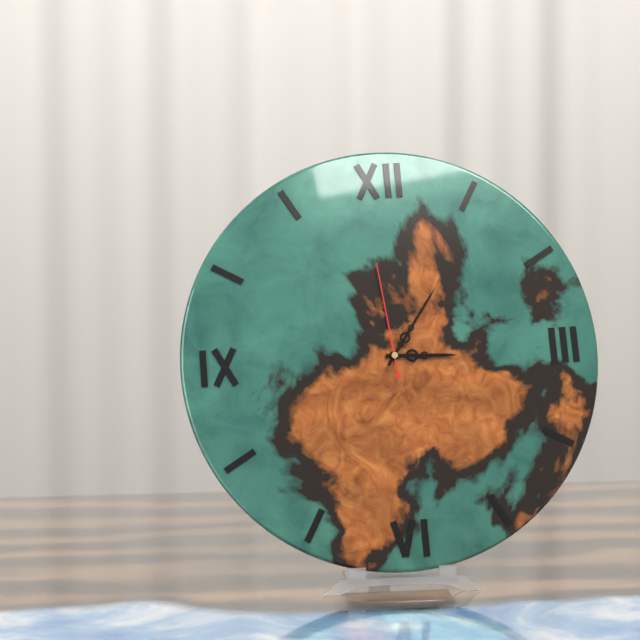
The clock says 3:06:59
